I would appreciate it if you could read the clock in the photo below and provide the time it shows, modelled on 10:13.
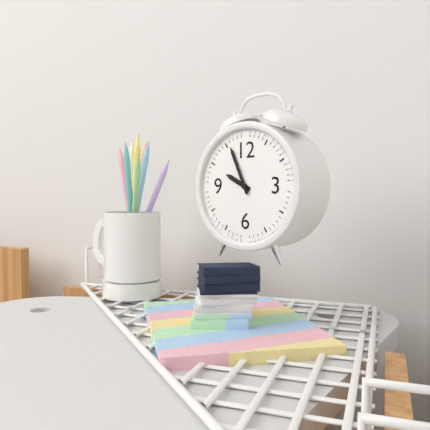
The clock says 9:56
